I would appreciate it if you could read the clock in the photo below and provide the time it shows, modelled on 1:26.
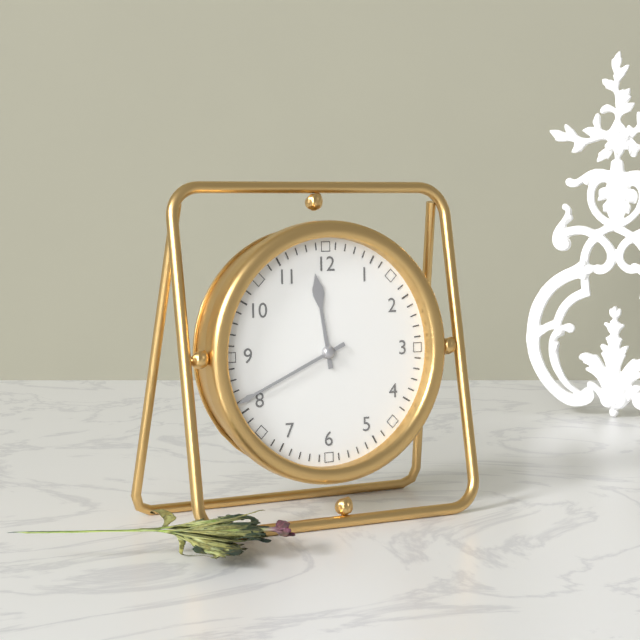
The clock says 11:41
